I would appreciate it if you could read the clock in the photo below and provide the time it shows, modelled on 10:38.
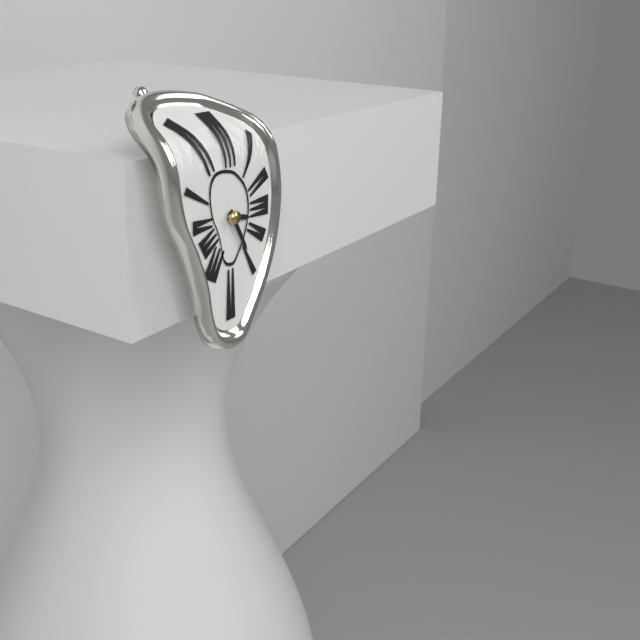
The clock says 3:25
